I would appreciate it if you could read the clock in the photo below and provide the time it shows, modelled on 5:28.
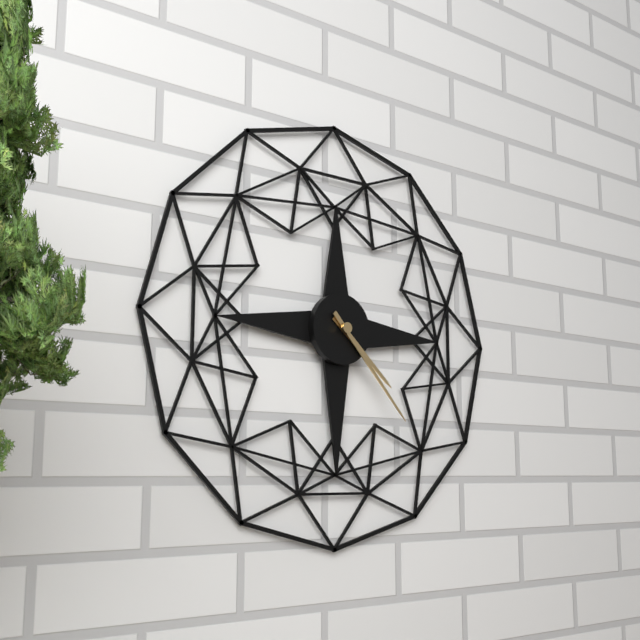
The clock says 4:23
